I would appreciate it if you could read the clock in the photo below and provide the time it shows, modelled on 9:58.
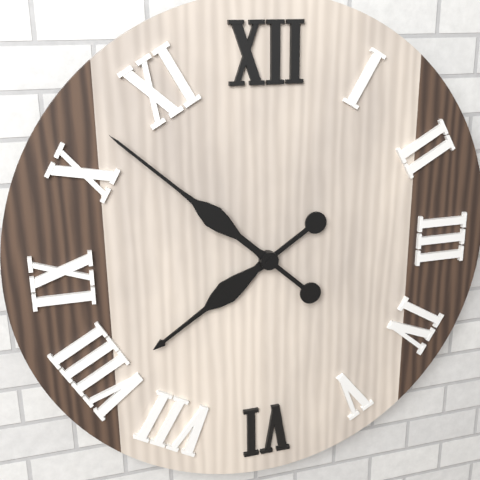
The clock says 7:52
